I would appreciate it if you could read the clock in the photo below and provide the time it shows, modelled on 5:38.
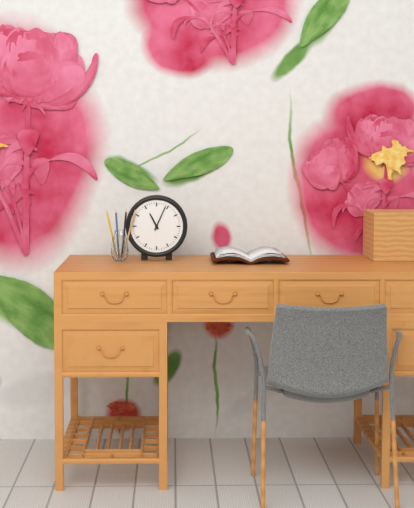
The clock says 11:04
